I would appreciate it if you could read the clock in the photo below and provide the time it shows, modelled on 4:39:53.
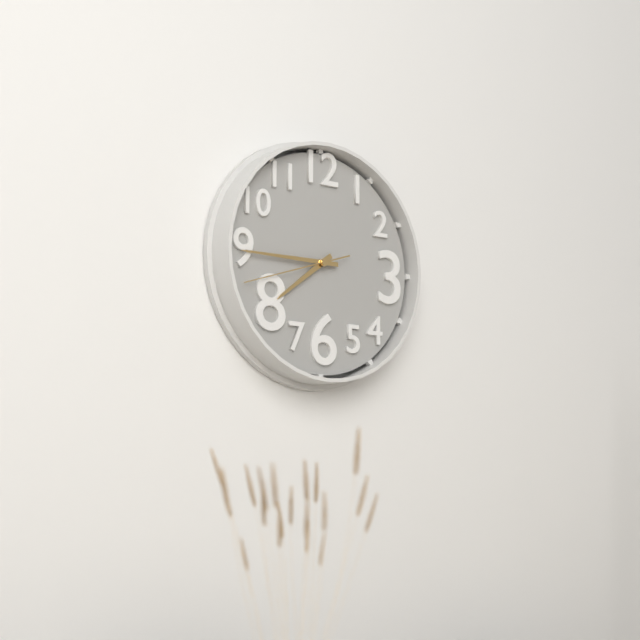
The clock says 7:45:42
